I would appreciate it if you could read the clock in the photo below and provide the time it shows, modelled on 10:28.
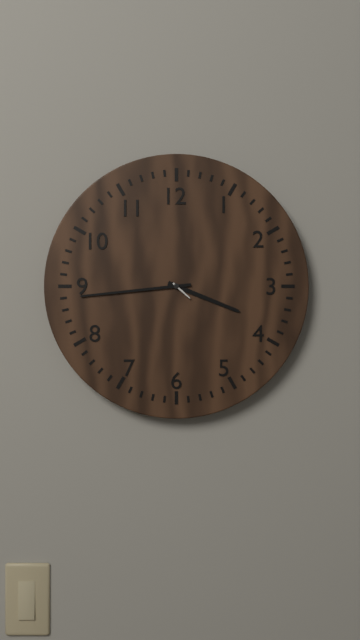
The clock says 3:44
